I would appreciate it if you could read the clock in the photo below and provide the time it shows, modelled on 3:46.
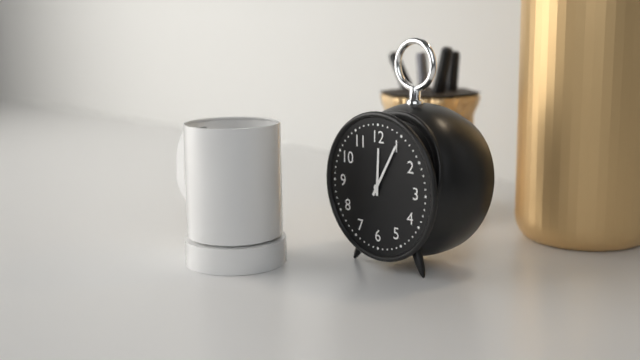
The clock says 12:05
